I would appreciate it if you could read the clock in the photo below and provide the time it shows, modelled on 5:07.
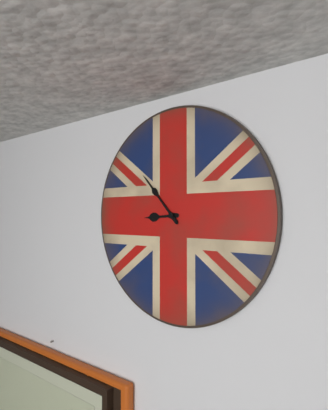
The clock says 8:53
